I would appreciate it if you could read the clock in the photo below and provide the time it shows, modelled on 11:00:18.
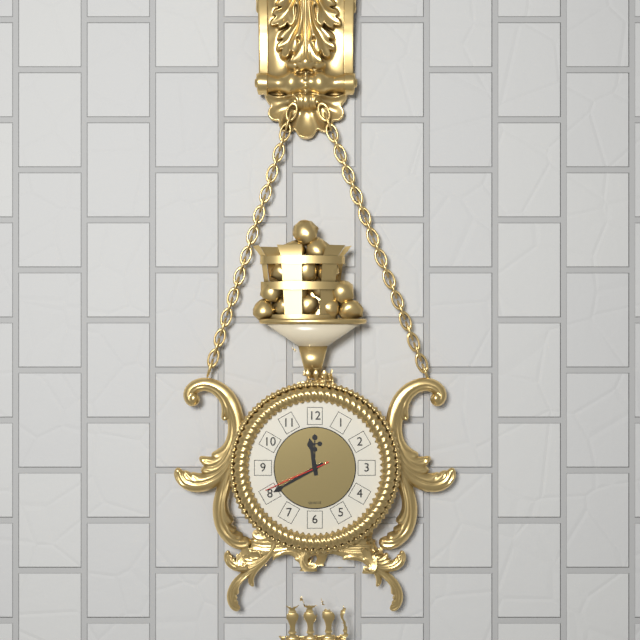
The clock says 11:40:41
